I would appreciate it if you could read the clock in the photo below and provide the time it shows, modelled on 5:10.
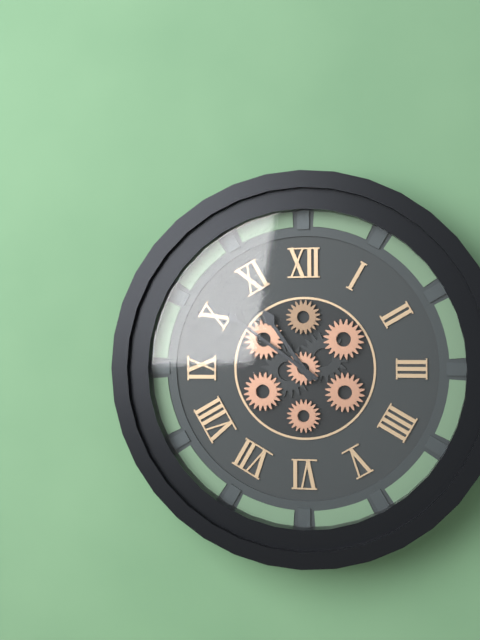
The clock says 10:51
